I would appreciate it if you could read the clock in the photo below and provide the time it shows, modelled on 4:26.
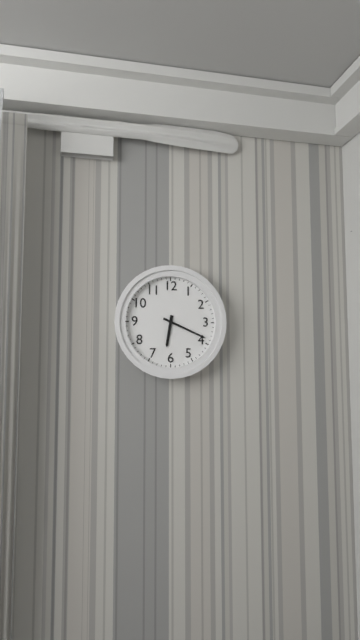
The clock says 6:19
